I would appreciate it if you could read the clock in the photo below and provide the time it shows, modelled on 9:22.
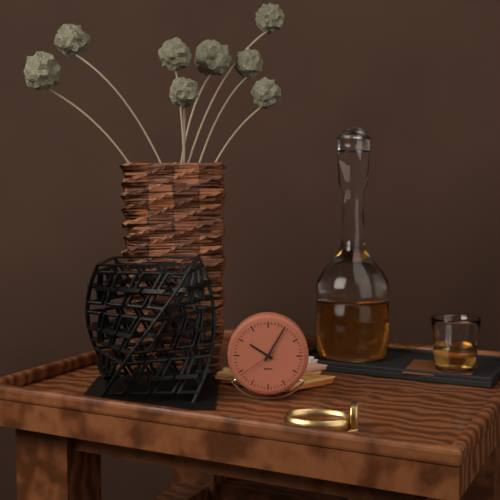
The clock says 10:05
